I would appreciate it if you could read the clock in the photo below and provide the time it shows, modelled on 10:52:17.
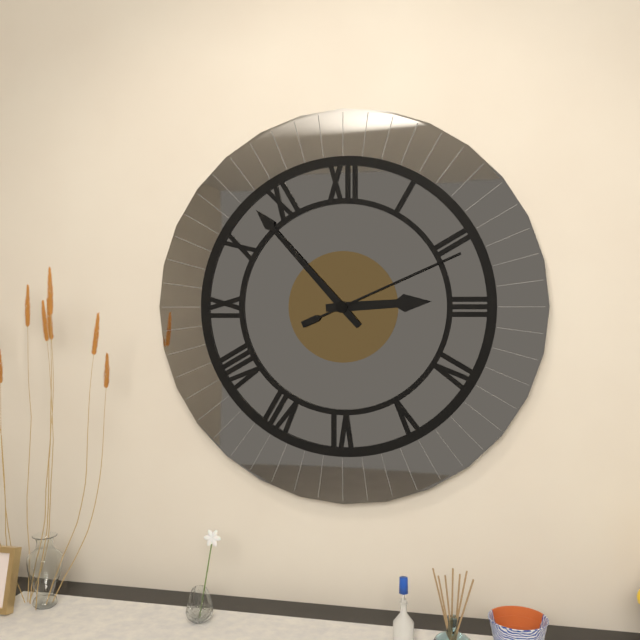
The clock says 2:53:11
